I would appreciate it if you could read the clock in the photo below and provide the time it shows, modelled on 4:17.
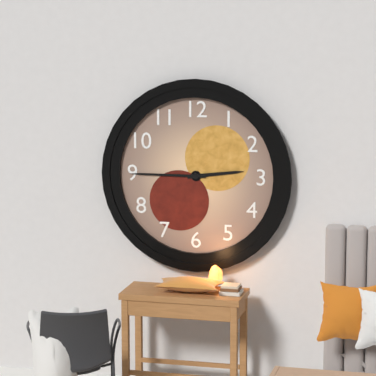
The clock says 2:45
